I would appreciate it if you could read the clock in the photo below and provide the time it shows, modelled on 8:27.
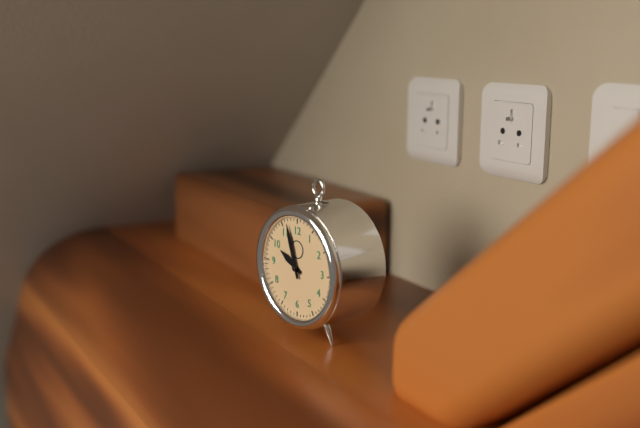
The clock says 9:57
